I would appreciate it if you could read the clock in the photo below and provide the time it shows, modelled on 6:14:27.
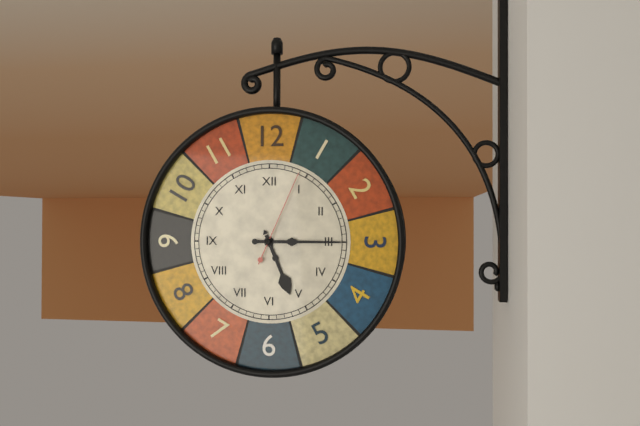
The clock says 5:15:04
